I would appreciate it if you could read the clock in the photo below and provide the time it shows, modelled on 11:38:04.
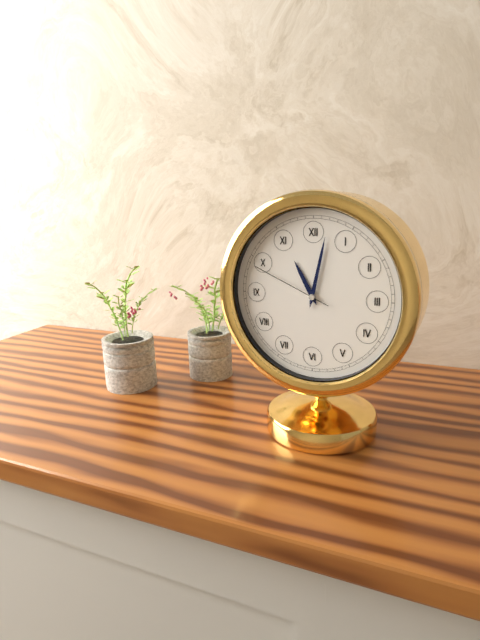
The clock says 11:02:49
